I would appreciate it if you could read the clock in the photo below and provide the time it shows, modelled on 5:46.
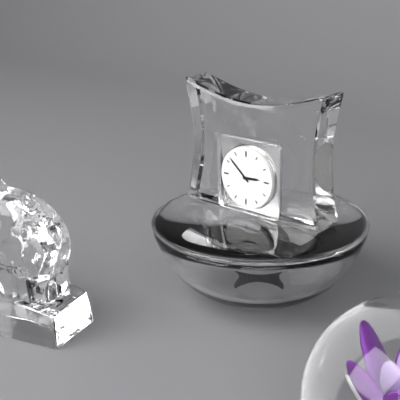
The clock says 2:52
